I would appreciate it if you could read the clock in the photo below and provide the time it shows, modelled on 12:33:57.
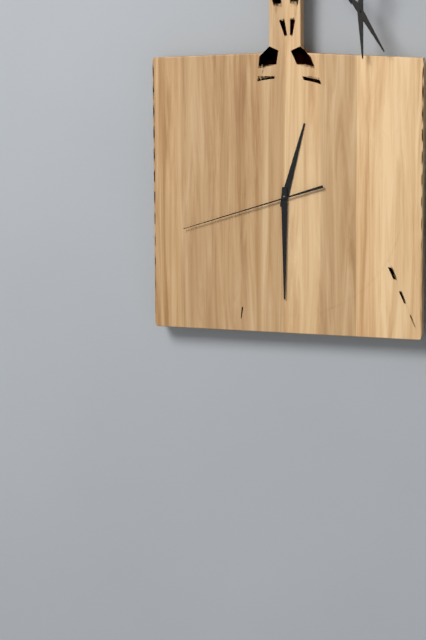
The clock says 12:30:42
